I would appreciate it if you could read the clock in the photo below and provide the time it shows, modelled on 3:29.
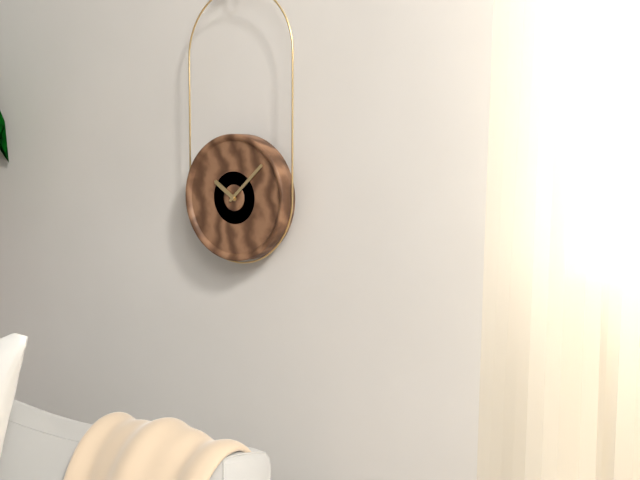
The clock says 10:08
